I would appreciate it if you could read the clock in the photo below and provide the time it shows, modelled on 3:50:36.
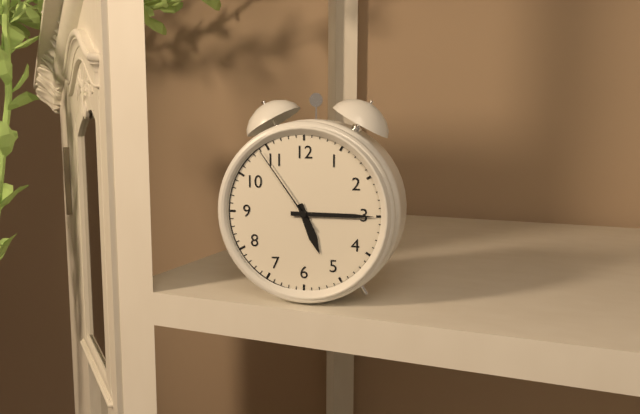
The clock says 5:15:54
